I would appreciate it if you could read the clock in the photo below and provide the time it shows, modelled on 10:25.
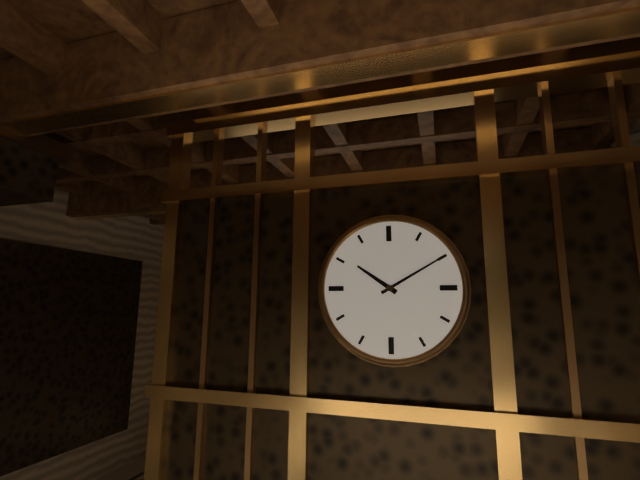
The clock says 10:10
